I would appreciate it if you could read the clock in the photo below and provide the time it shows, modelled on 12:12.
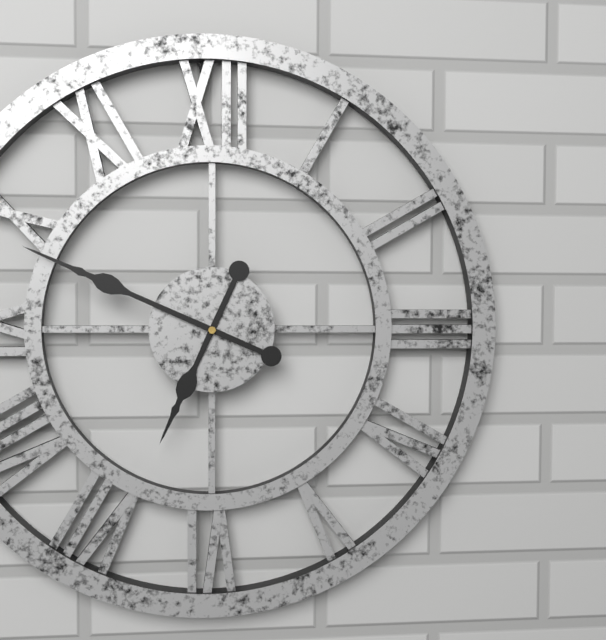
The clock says 6:49
